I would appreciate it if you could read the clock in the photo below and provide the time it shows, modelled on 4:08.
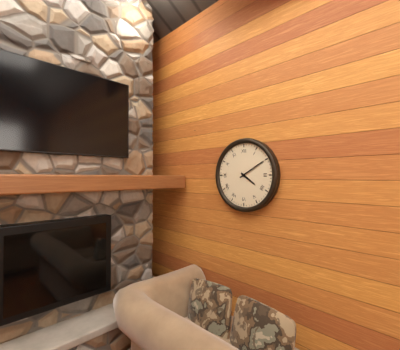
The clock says 4:10
